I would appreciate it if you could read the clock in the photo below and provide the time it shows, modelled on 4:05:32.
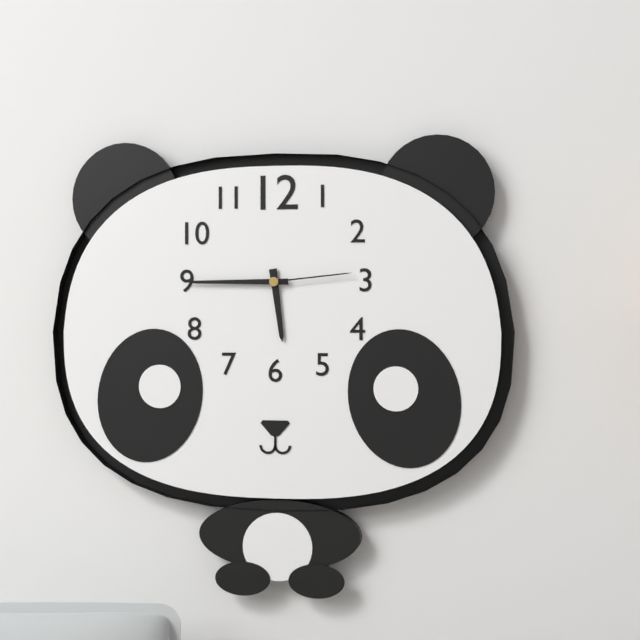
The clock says 5:45:14
